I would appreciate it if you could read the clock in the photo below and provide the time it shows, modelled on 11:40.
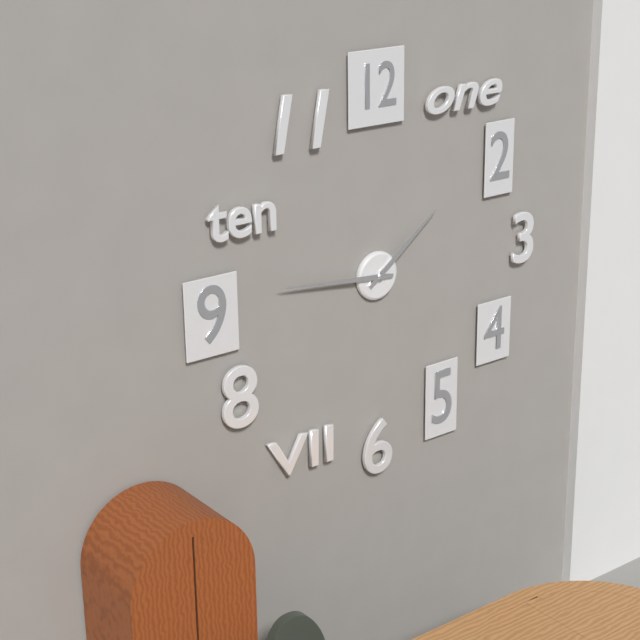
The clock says 1:46
